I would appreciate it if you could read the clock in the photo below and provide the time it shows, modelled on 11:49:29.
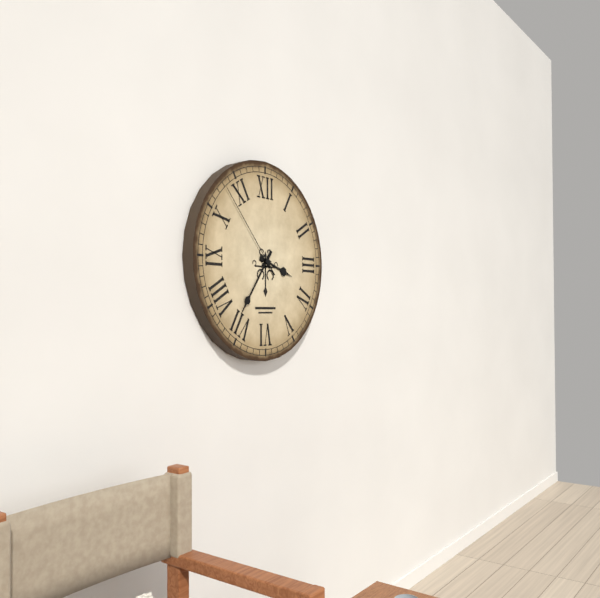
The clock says 3:36:53
